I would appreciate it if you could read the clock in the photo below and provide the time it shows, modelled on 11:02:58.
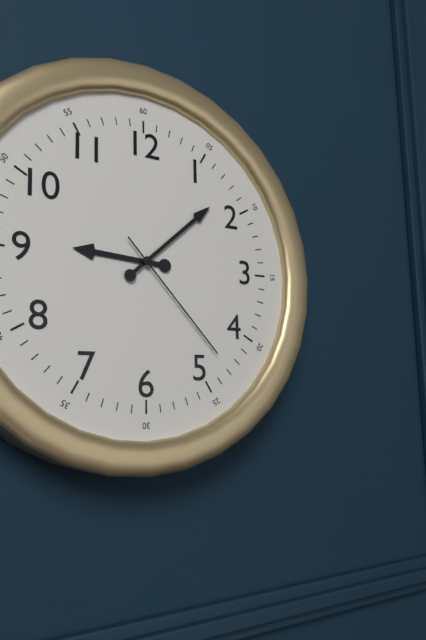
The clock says 9:08:23
